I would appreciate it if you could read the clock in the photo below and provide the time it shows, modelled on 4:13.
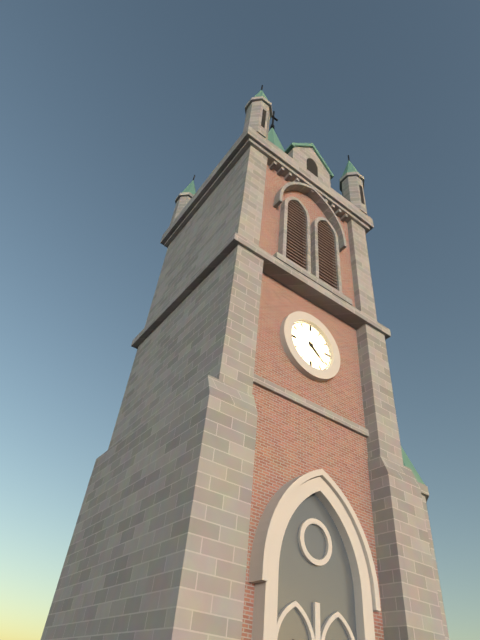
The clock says 4:22
